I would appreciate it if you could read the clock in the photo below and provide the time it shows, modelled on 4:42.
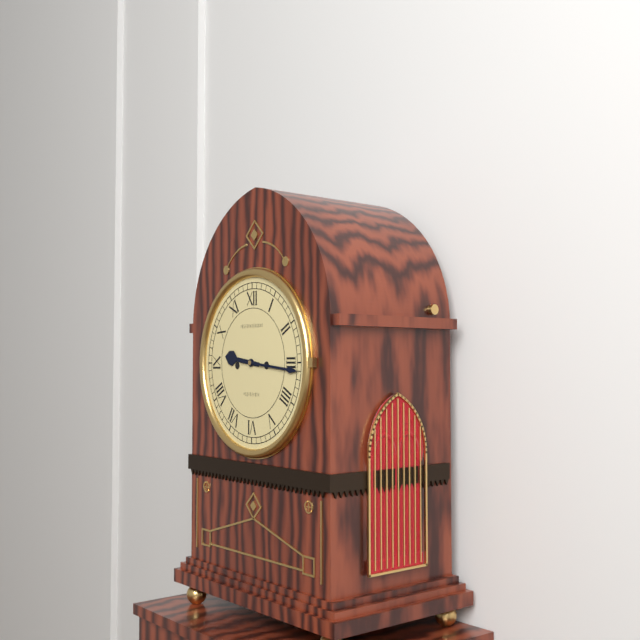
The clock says 9:16
